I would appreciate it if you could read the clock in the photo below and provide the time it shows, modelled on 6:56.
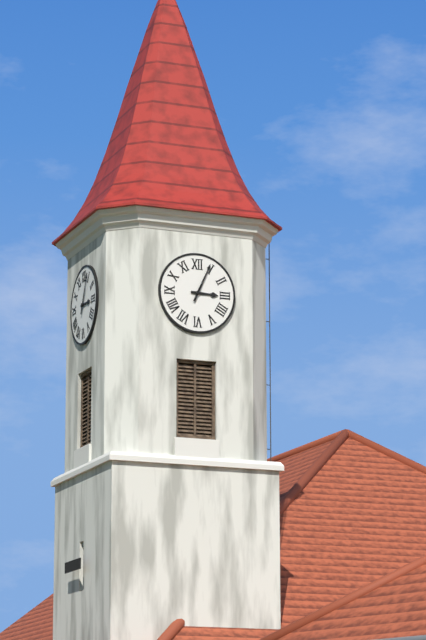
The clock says 3:04
